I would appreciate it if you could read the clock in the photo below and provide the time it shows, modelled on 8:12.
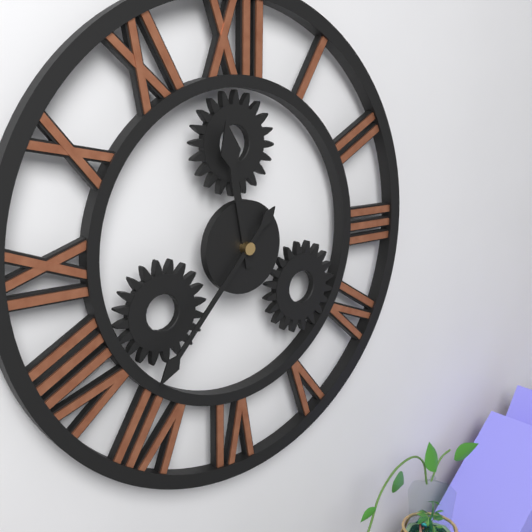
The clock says 11:37
